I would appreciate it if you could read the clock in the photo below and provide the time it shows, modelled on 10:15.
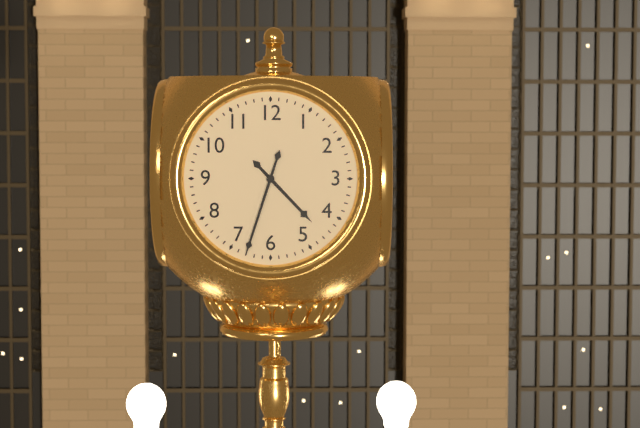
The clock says 4:33
